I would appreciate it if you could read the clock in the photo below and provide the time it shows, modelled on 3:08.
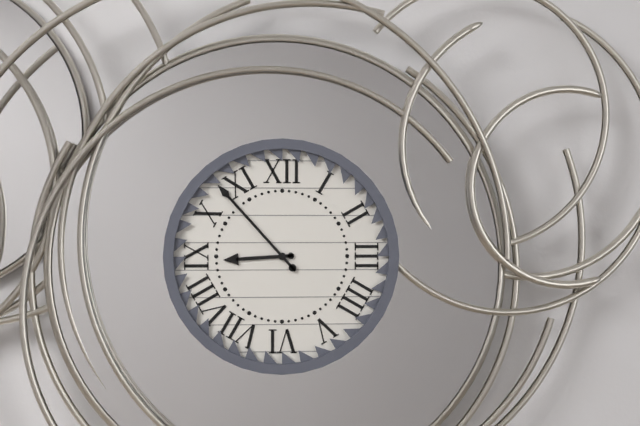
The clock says 8:53
